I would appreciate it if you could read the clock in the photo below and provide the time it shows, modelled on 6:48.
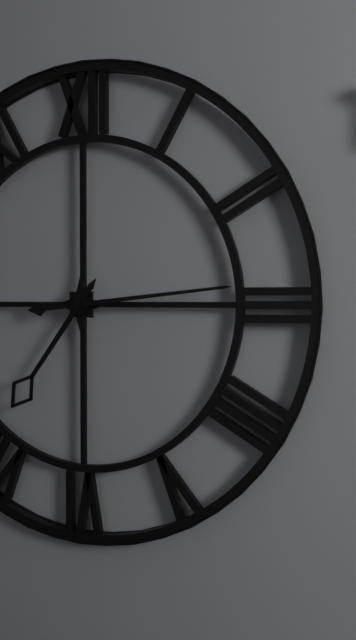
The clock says 7:14
